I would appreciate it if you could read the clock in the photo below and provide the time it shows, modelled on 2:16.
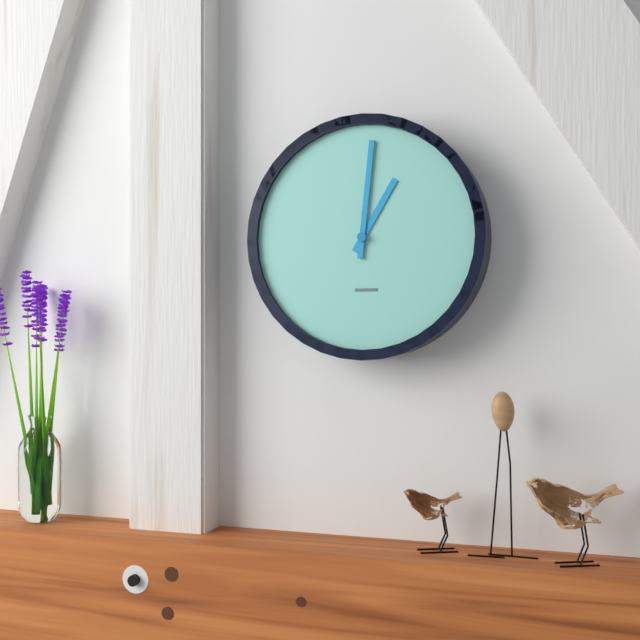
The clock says 1:01
